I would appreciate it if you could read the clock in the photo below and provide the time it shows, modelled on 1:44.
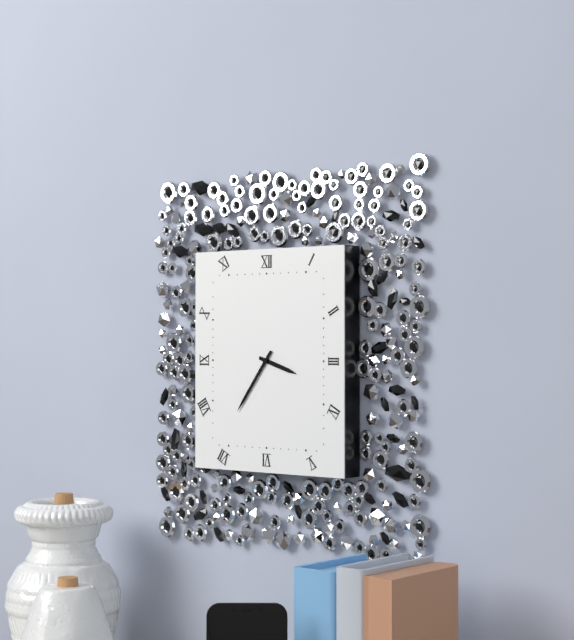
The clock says 3:36
